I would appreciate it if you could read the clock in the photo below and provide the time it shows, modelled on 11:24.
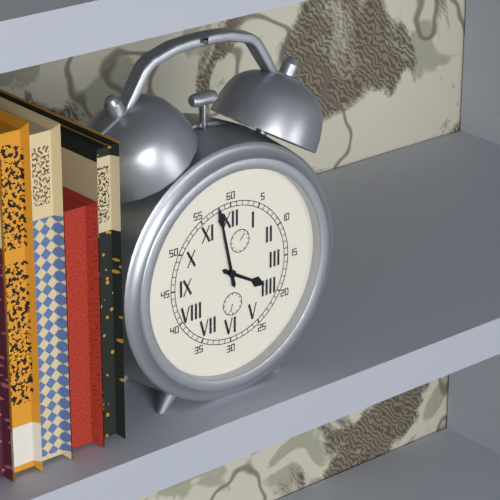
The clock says 3:58
